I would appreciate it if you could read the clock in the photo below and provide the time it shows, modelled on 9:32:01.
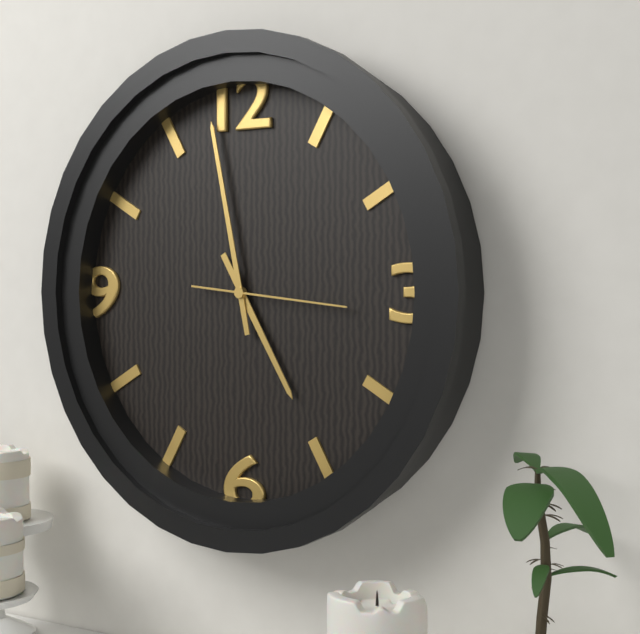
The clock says 4:58:16
